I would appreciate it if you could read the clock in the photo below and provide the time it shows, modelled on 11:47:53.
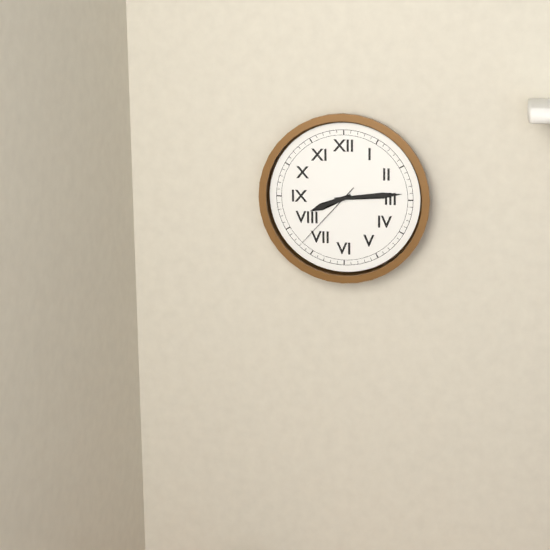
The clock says 8:14:37
